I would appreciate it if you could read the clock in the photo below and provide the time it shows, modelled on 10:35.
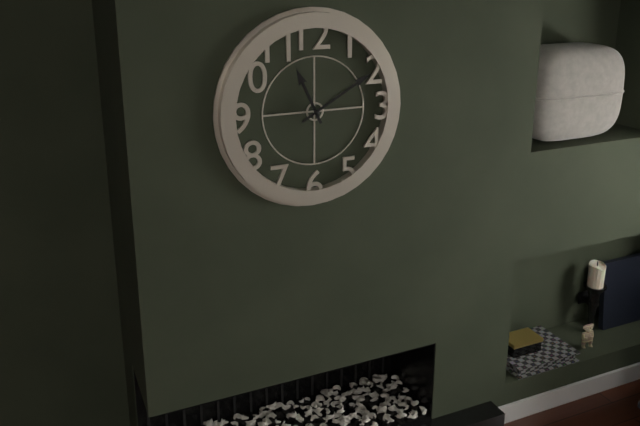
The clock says 11:10
